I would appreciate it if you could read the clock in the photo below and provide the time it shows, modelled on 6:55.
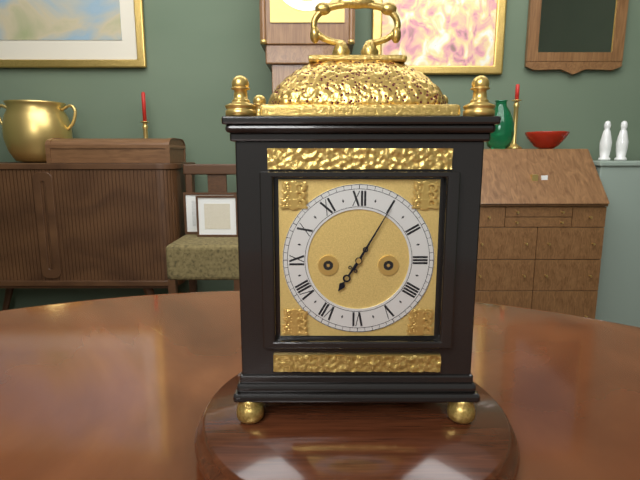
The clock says 7:05
